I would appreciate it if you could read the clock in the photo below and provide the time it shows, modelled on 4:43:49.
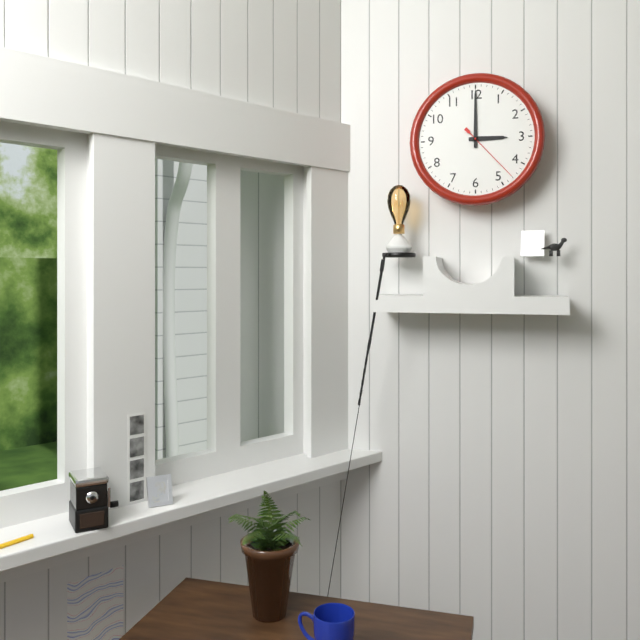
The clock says 3:00:23
